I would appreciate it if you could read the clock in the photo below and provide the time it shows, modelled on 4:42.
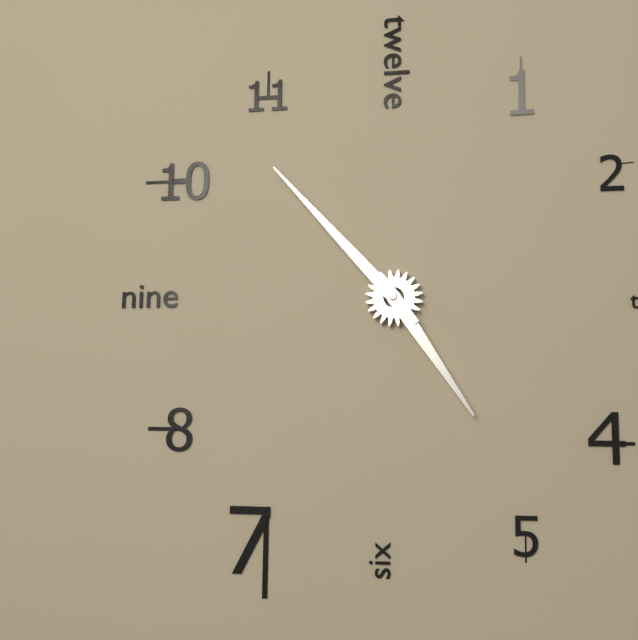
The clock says 4:53
